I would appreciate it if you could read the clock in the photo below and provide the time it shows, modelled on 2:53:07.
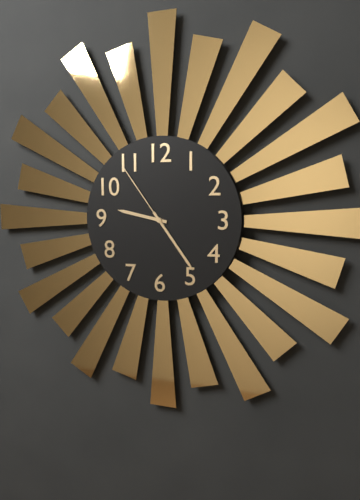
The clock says 9:24:54
